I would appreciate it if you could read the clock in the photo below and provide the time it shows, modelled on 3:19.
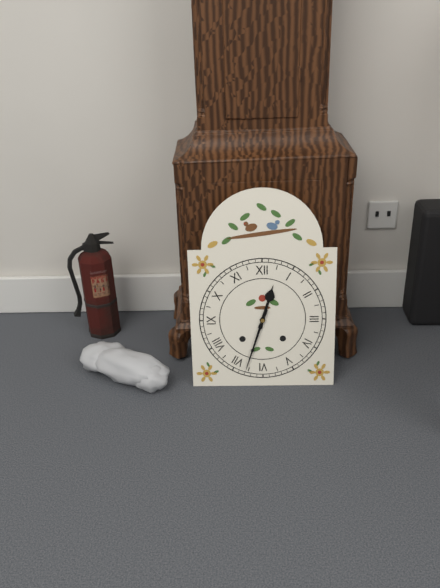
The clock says 12:33
